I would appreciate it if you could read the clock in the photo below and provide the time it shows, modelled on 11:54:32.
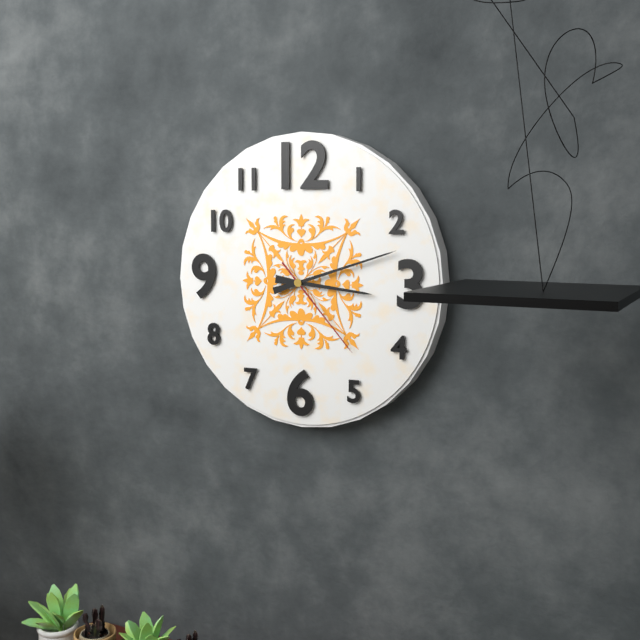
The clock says 3:12:23
